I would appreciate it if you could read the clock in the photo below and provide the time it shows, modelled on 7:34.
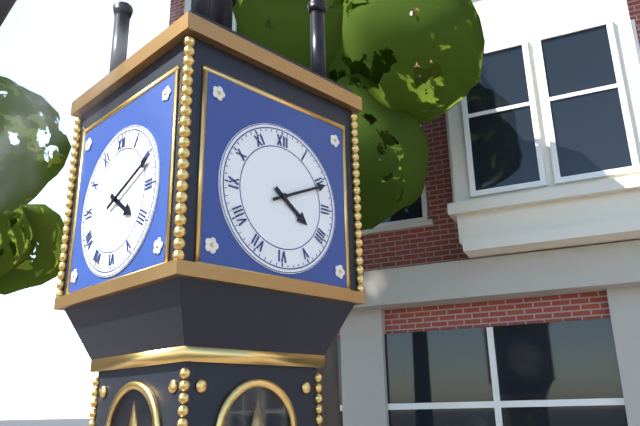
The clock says 4:11
